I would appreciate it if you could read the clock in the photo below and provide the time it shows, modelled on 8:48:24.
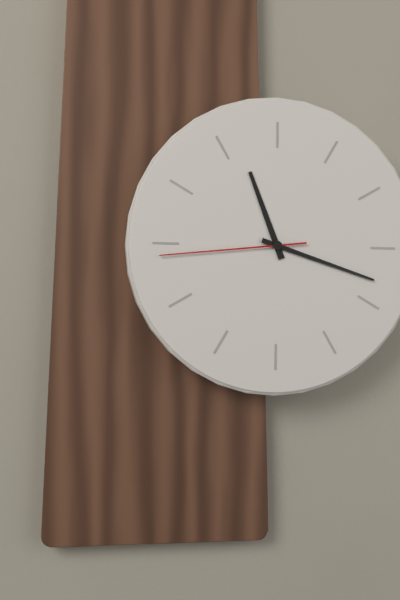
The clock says 11:18:44
